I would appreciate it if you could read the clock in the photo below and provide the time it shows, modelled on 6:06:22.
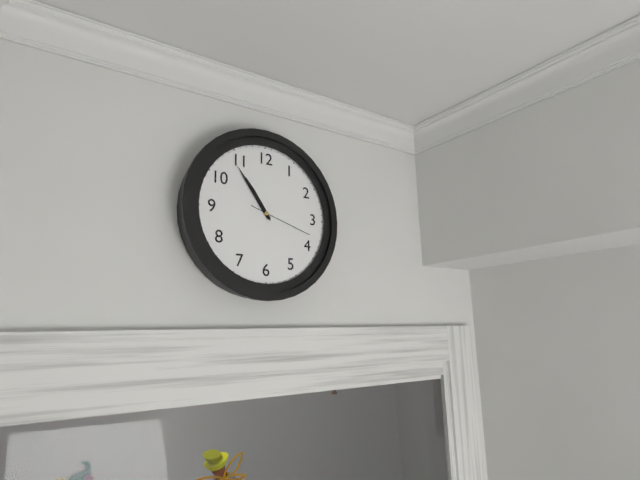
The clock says 10:54:18
